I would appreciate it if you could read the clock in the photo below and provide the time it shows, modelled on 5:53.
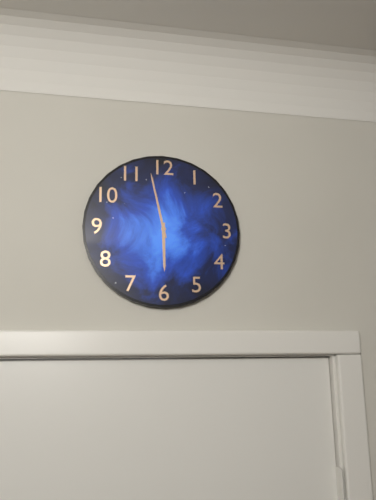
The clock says 5:58
